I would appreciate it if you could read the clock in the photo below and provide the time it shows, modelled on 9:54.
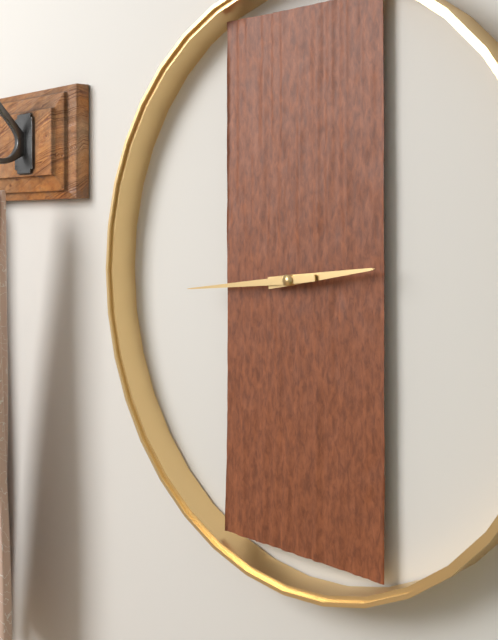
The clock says 2:44
